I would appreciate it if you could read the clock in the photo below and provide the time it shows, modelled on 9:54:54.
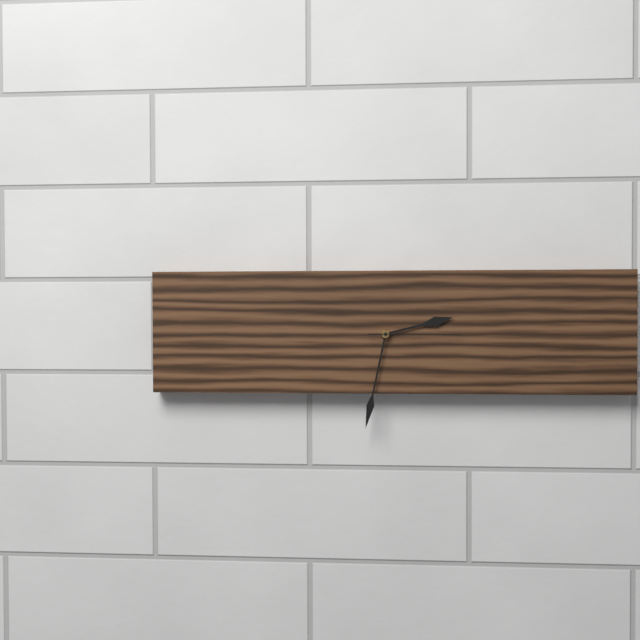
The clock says 2:32:15
